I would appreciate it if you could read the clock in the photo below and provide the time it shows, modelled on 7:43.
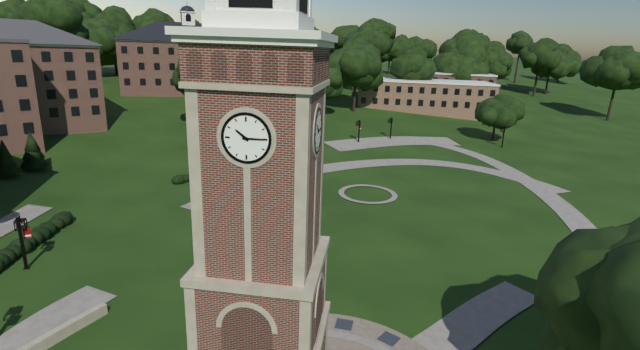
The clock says 10:15
